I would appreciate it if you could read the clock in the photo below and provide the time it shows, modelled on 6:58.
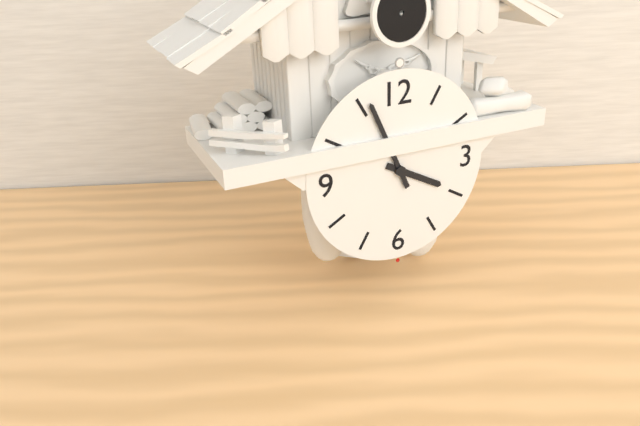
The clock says 3:56
